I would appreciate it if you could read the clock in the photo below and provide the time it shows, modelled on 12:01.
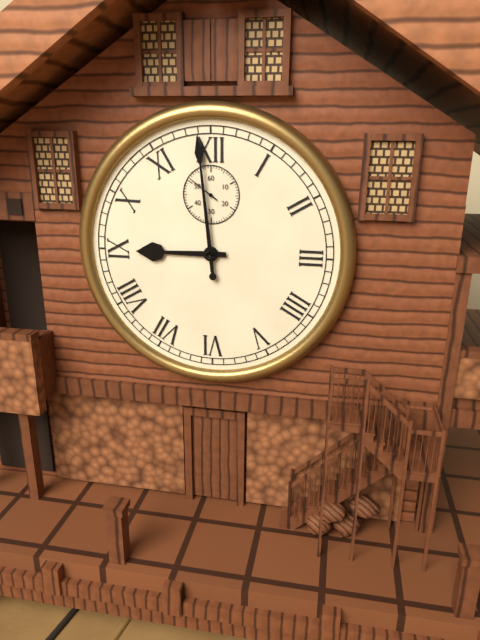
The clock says 8:59
